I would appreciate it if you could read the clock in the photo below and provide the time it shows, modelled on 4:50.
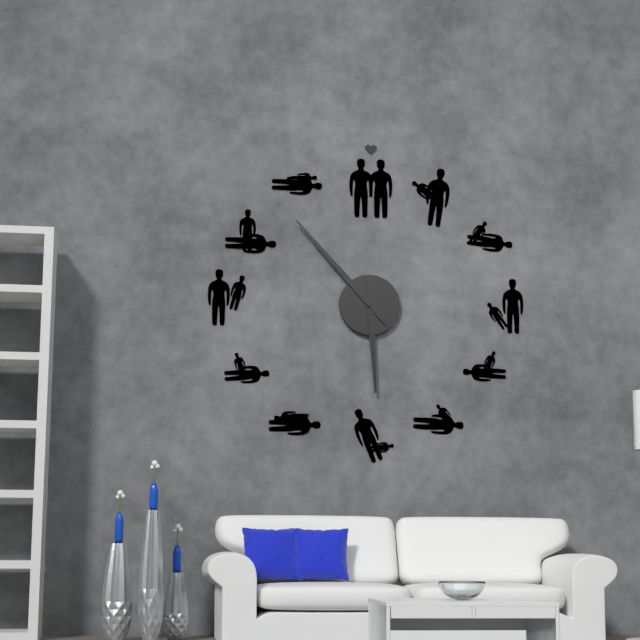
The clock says 5:53
